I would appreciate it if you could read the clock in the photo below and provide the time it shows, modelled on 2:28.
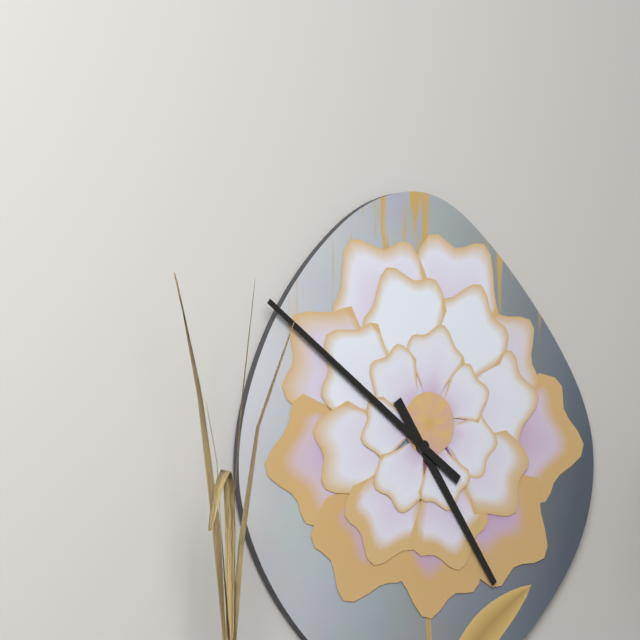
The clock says 4:51
